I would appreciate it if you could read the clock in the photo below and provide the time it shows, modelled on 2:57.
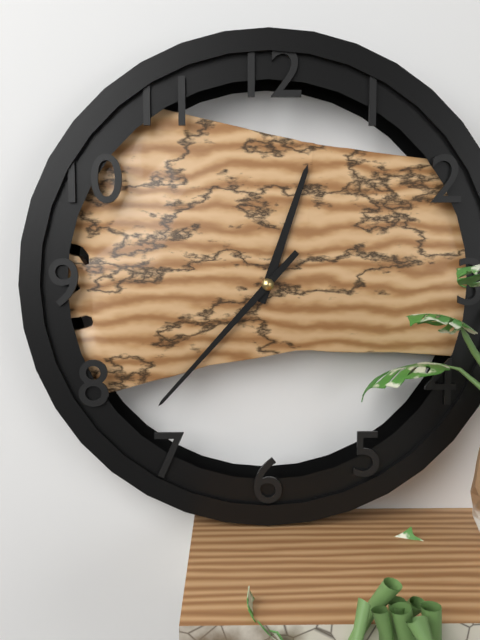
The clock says 12:37
